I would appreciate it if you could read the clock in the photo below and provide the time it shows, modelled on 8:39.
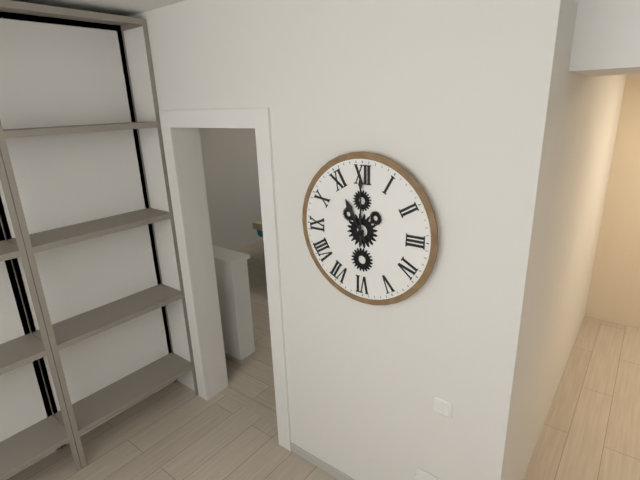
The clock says 11:00
